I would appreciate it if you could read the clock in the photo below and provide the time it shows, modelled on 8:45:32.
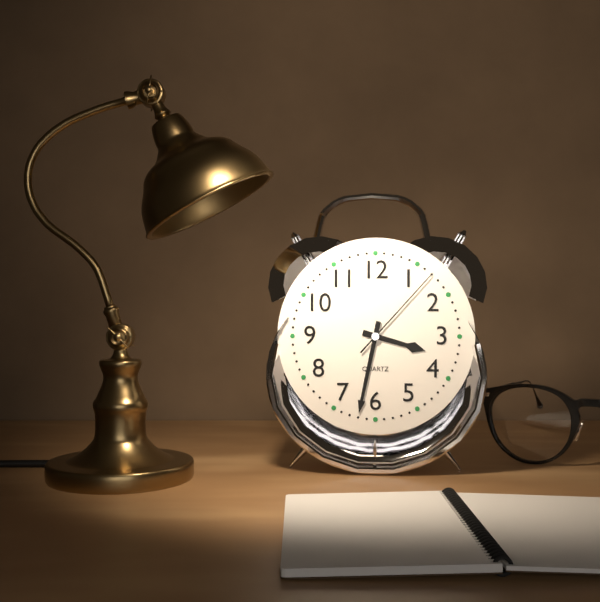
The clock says 3:32:07
